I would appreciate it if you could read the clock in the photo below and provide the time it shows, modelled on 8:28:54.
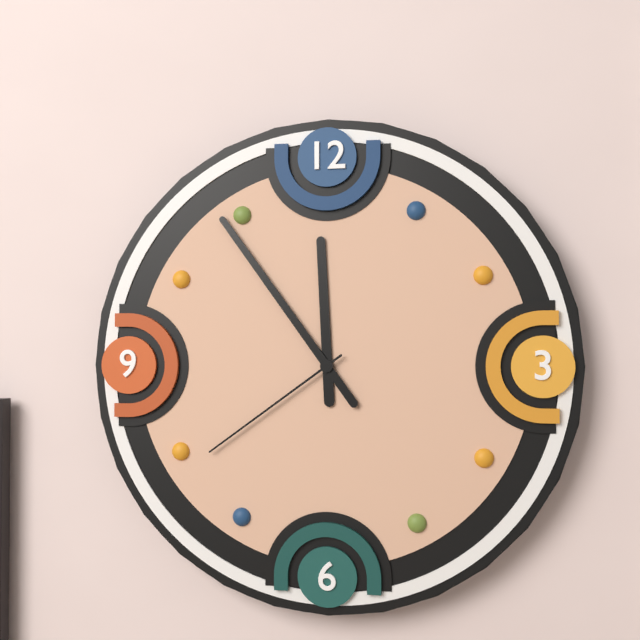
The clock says 11:54:39
